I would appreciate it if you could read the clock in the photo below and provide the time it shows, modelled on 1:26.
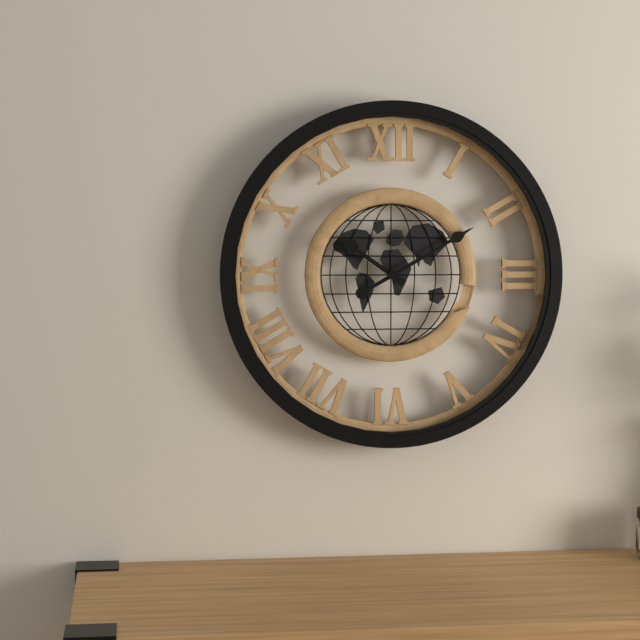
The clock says 10:10
